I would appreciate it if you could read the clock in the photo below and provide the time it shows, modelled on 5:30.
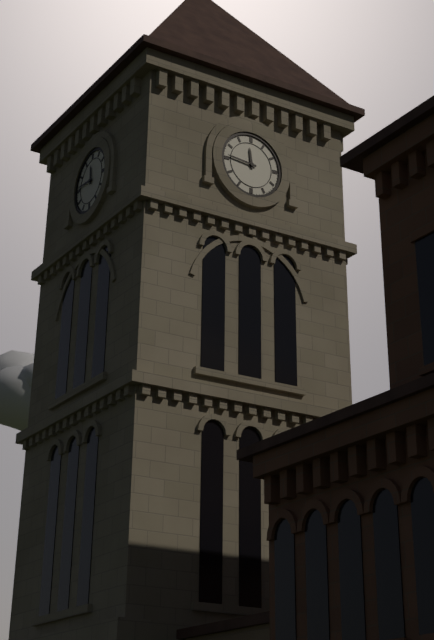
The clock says 11:46
